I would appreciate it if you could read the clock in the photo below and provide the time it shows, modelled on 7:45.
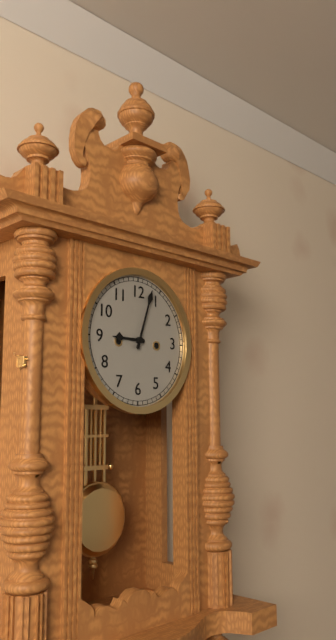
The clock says 9:03
